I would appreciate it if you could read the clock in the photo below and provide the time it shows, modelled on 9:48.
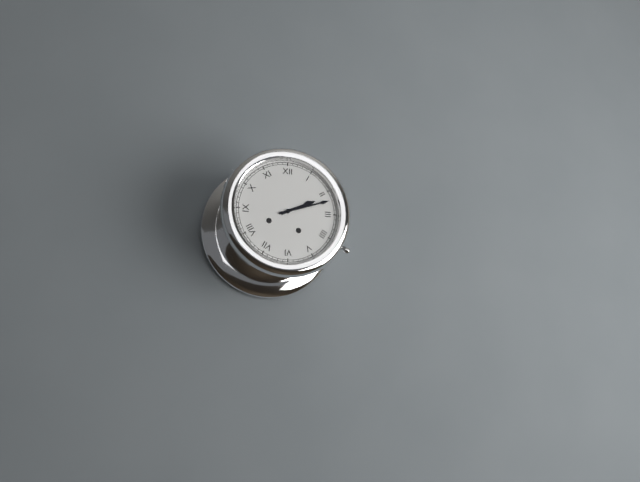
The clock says 2:12
